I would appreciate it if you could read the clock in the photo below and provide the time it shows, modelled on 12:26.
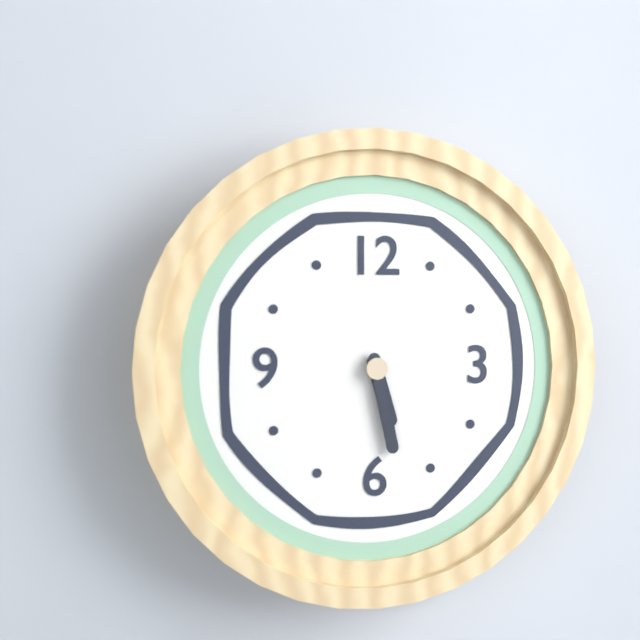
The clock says 5:28
